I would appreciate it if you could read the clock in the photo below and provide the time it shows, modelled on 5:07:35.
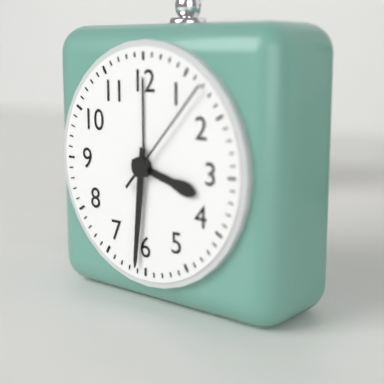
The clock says 3:31:07
